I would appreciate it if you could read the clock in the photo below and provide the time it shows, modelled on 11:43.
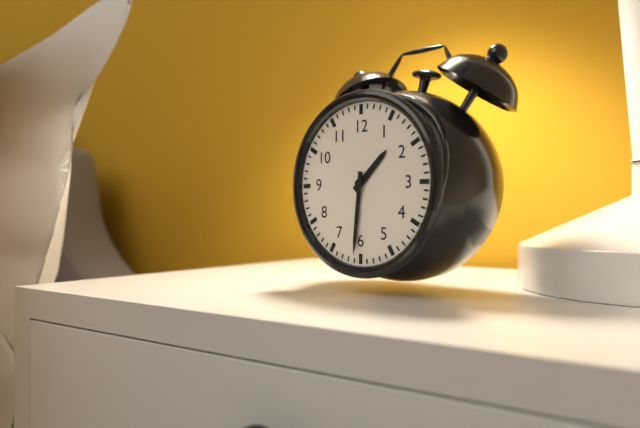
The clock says 1:31
